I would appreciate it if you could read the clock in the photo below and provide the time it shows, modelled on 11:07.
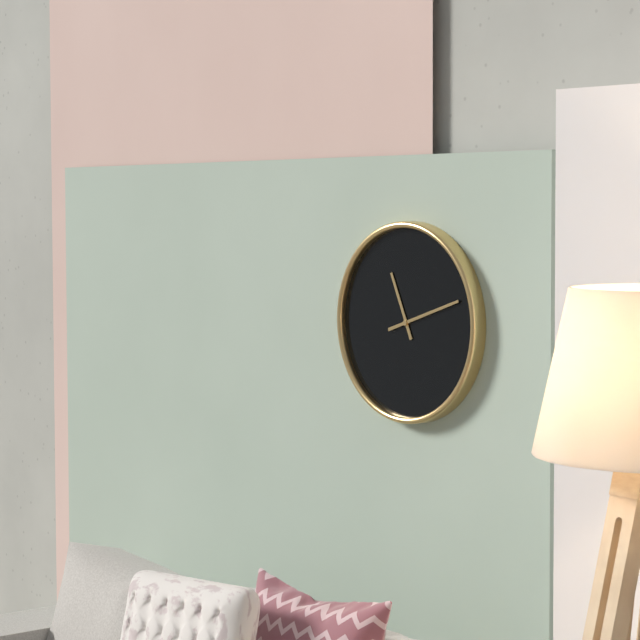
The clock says 11:12
